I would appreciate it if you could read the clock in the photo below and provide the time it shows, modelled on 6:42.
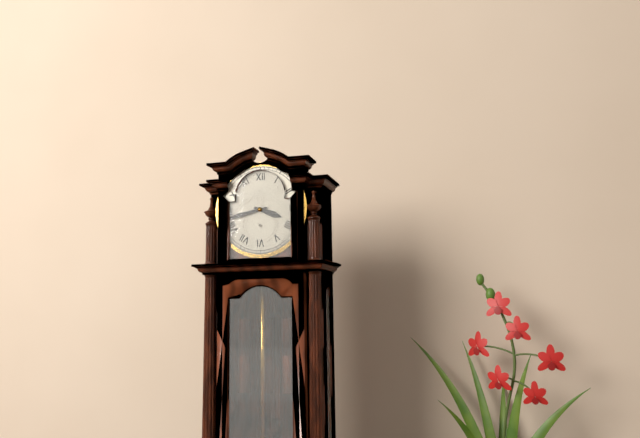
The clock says 3:43
